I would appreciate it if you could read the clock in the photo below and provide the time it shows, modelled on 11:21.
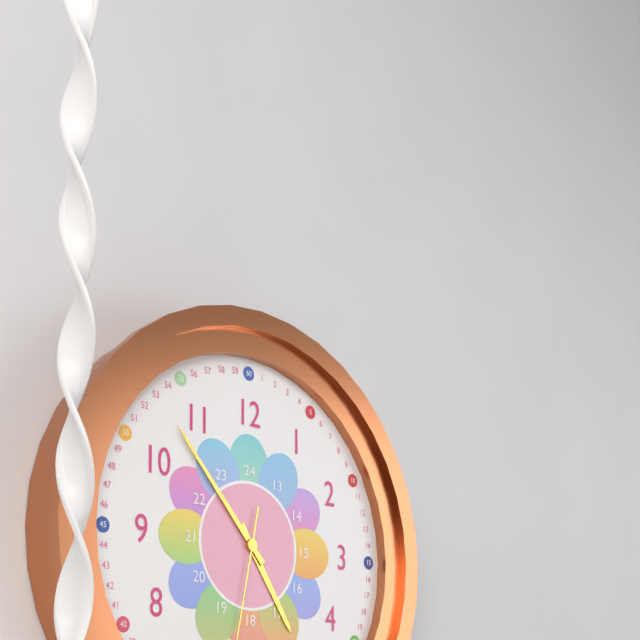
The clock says 4:53
